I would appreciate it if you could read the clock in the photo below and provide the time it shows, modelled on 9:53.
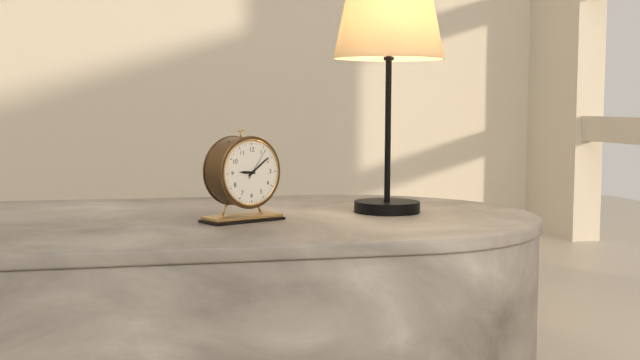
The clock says 9:09
